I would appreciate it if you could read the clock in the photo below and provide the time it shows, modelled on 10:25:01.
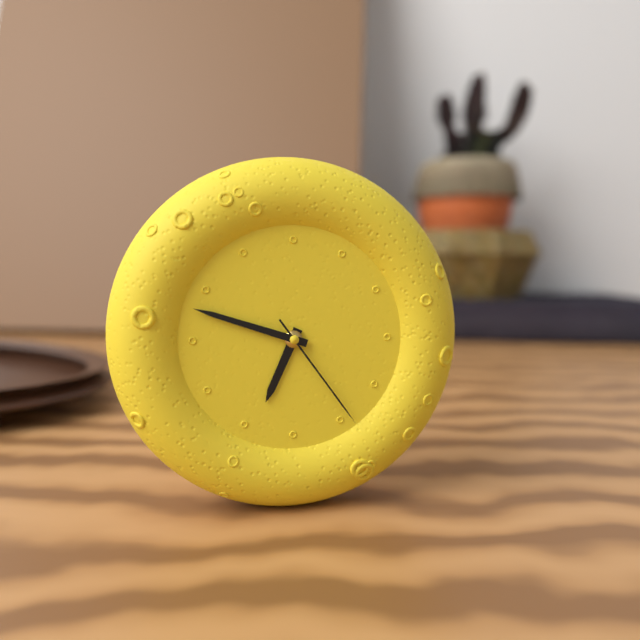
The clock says 6:48:24
